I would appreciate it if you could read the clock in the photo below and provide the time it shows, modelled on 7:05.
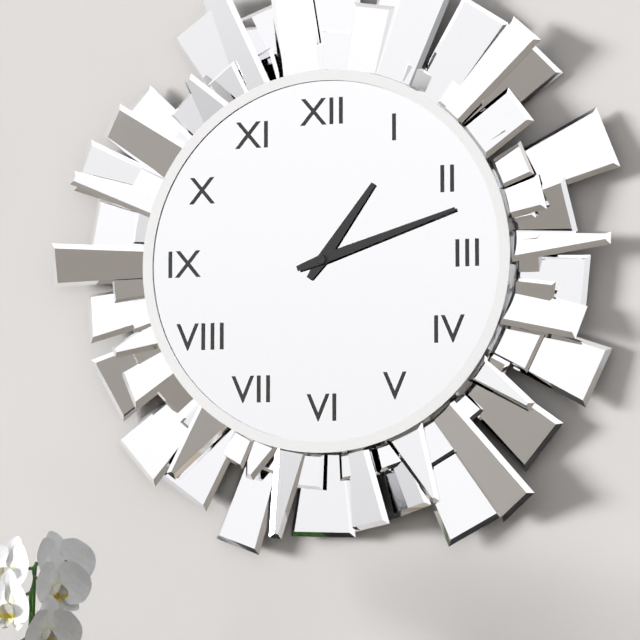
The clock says 1:12
